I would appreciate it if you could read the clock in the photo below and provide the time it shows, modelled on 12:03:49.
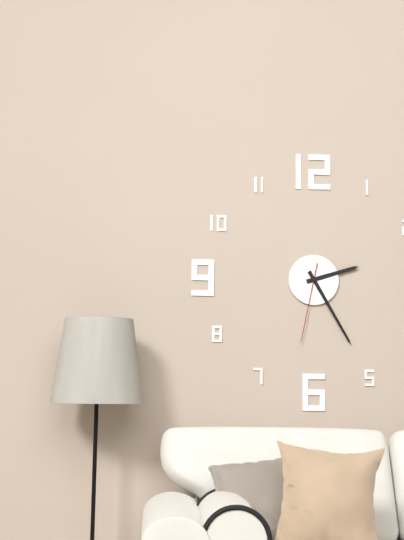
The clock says 2:25:32
